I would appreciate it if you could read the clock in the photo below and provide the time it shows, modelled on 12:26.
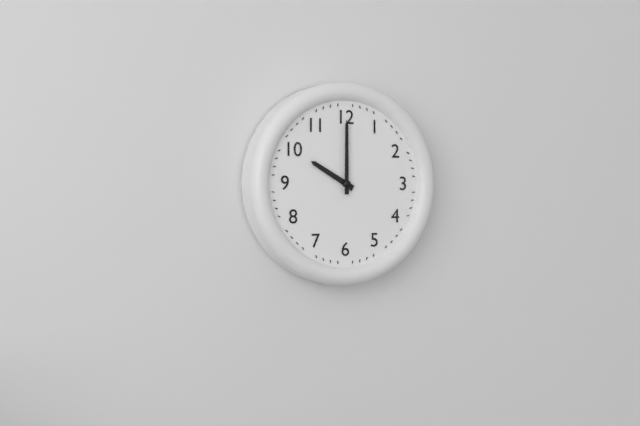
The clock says 10:00
